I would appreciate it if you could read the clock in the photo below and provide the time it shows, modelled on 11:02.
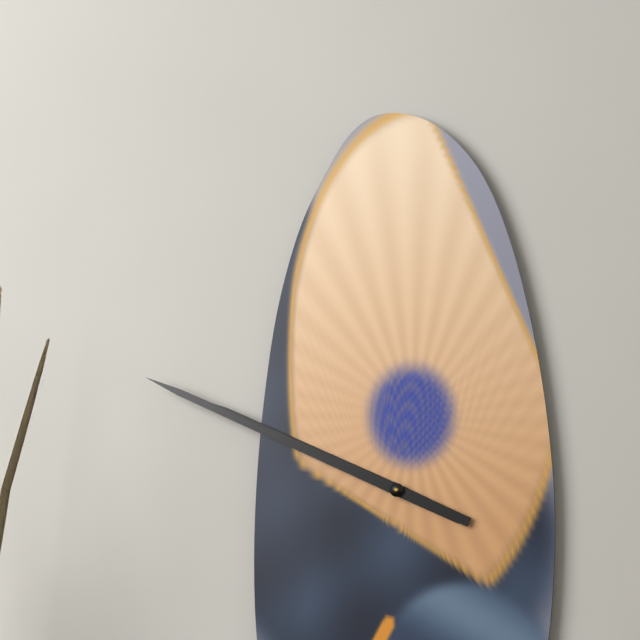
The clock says 9:49
